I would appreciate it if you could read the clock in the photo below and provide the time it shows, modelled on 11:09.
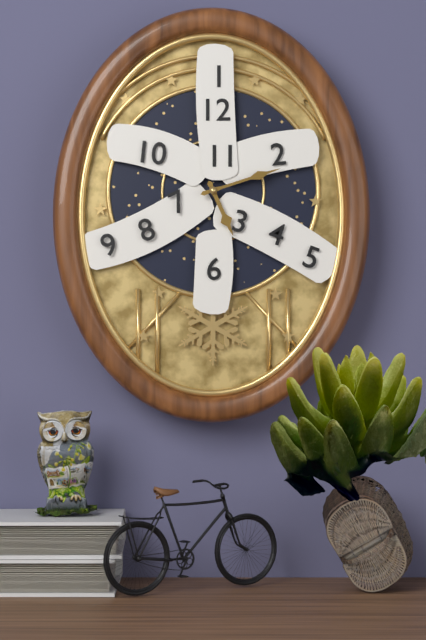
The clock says 5:12
